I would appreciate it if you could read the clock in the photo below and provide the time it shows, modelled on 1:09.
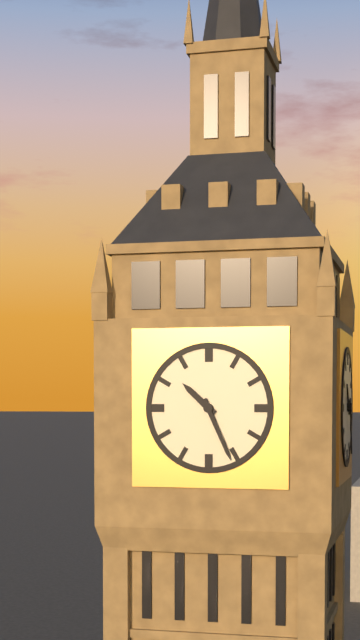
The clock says 10:26
